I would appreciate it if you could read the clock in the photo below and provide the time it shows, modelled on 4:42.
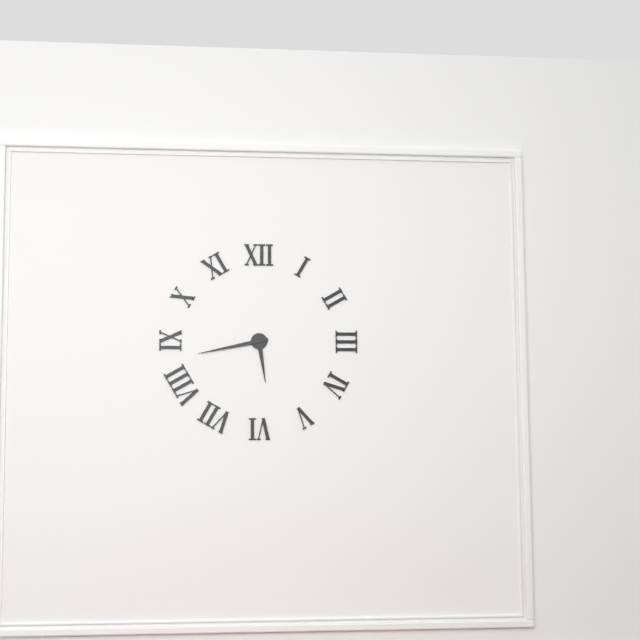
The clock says 5:43
